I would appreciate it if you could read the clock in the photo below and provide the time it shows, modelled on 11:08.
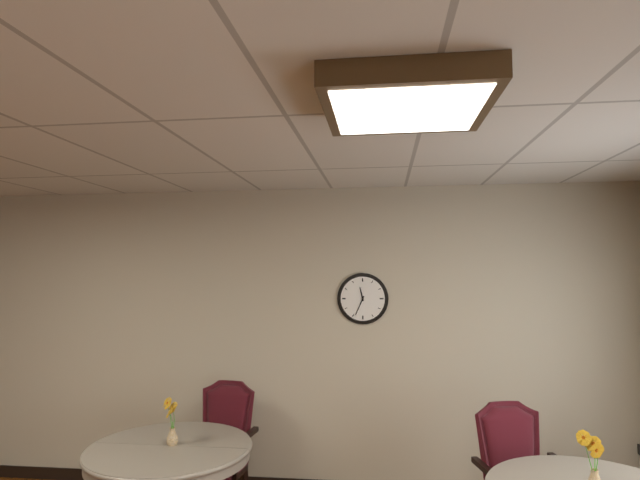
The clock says 11:34
